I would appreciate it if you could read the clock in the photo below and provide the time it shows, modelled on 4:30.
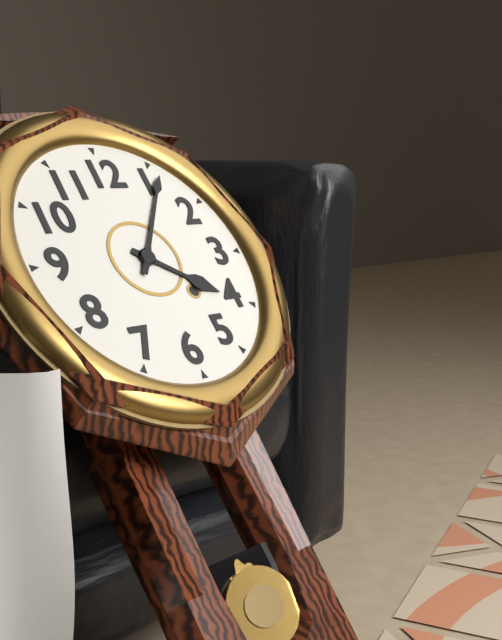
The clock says 4:06
